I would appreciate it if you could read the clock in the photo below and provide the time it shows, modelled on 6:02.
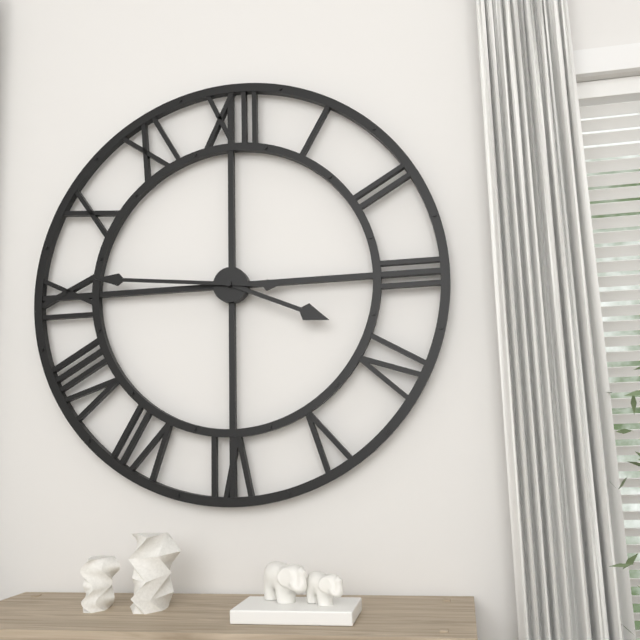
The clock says 3:46
